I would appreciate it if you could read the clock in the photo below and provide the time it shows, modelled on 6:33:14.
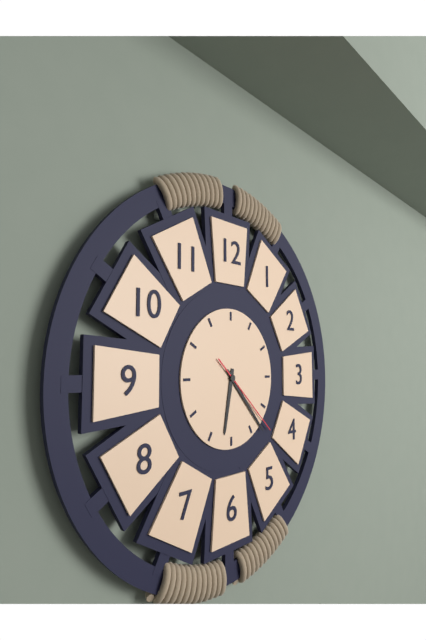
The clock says 6:23:22
